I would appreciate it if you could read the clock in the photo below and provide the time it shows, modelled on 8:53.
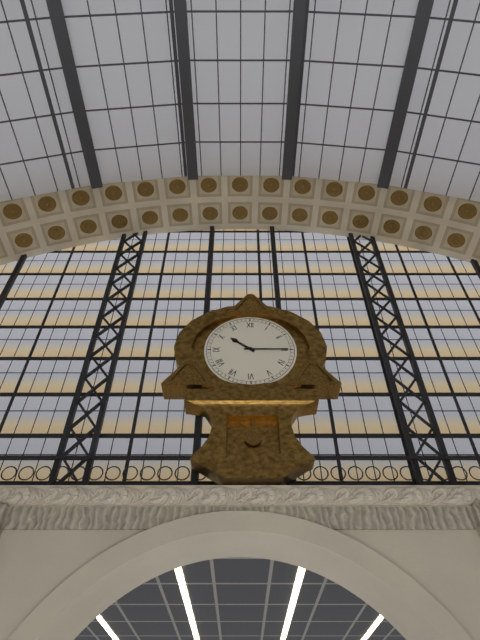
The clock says 10:15
